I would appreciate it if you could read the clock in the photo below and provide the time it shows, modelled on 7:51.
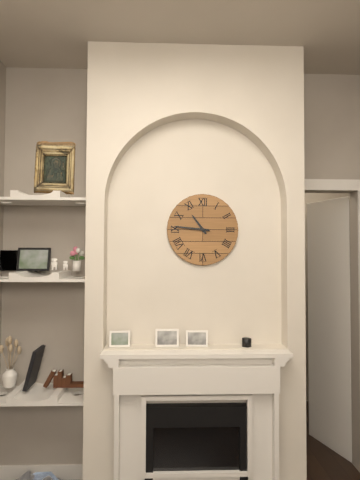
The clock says 10:46
